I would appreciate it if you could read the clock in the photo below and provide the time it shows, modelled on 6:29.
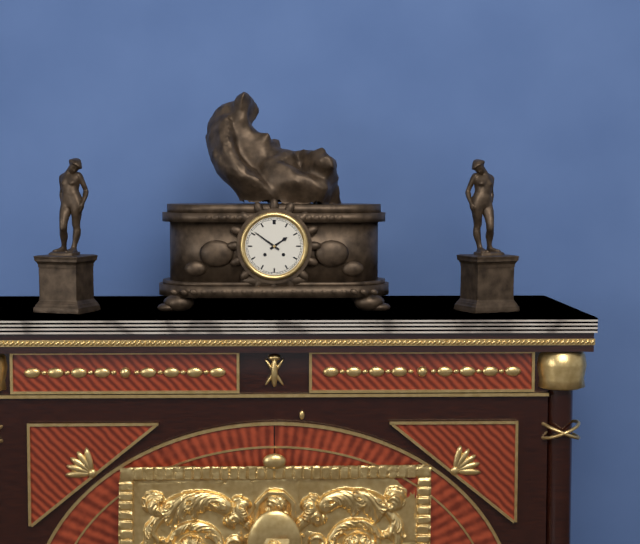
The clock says 1:51
